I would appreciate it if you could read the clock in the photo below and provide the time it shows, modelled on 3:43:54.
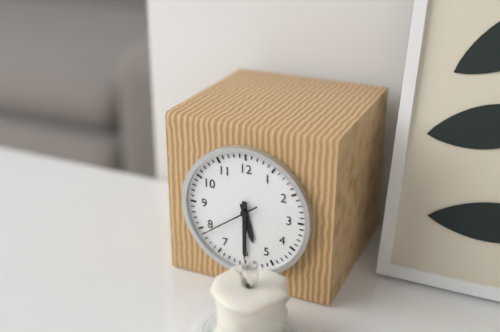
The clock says 5:30:39
